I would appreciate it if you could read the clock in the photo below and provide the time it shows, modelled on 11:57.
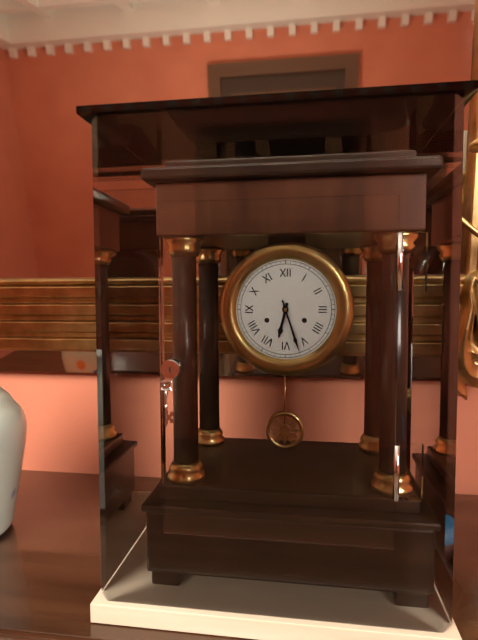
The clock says 6:27
